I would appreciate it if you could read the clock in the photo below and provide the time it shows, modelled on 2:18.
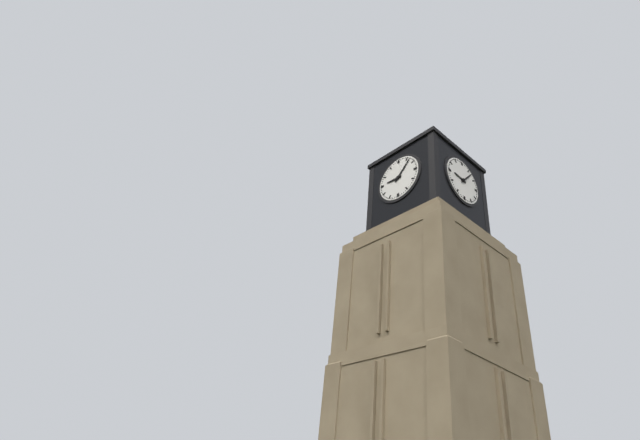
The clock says 9:07
